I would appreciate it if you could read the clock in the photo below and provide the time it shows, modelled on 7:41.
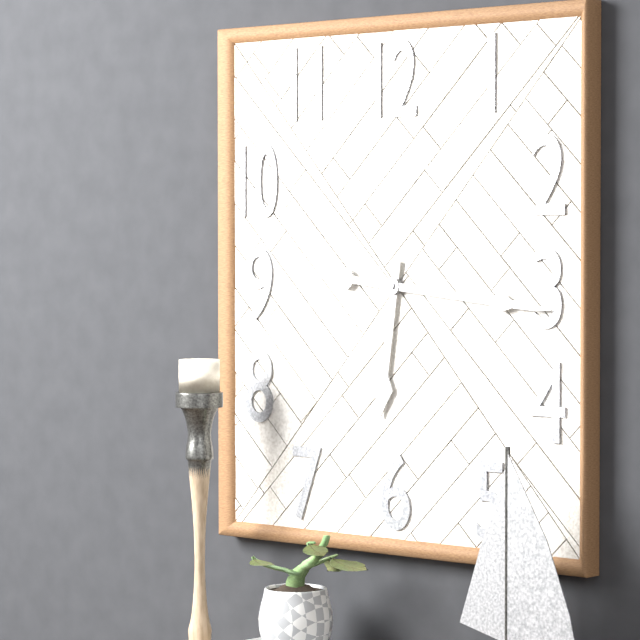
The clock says 6:16
